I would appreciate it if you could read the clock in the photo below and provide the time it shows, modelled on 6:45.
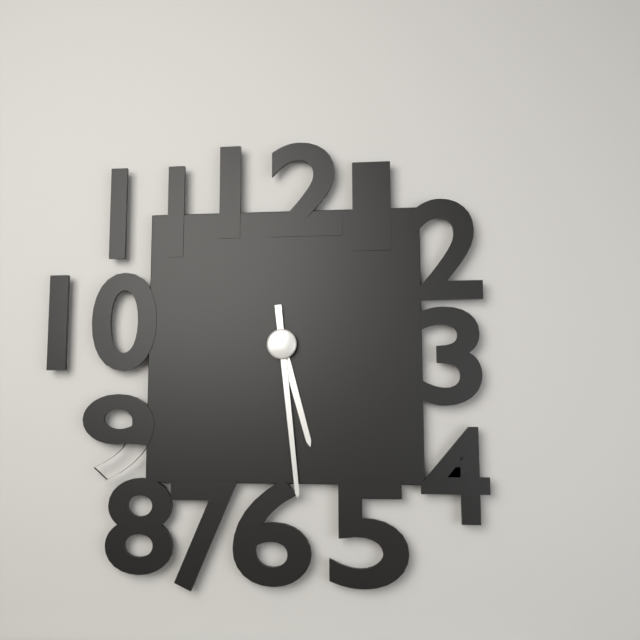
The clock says 5:29
